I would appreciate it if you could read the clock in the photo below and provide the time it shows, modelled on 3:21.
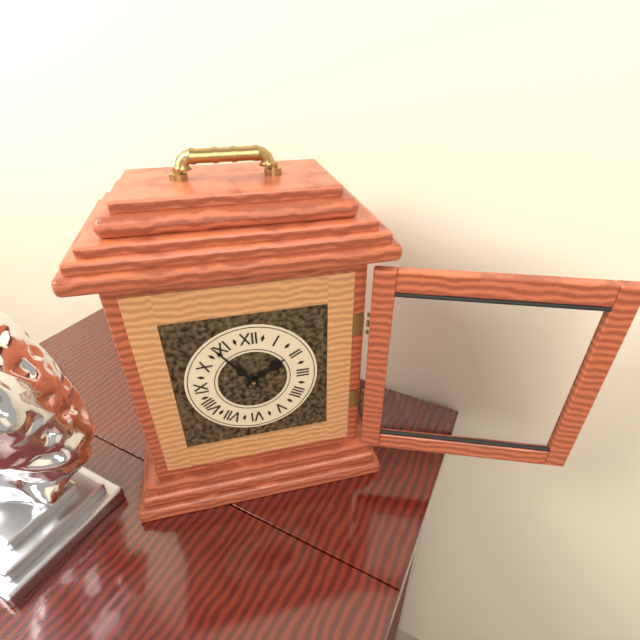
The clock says 1:54
